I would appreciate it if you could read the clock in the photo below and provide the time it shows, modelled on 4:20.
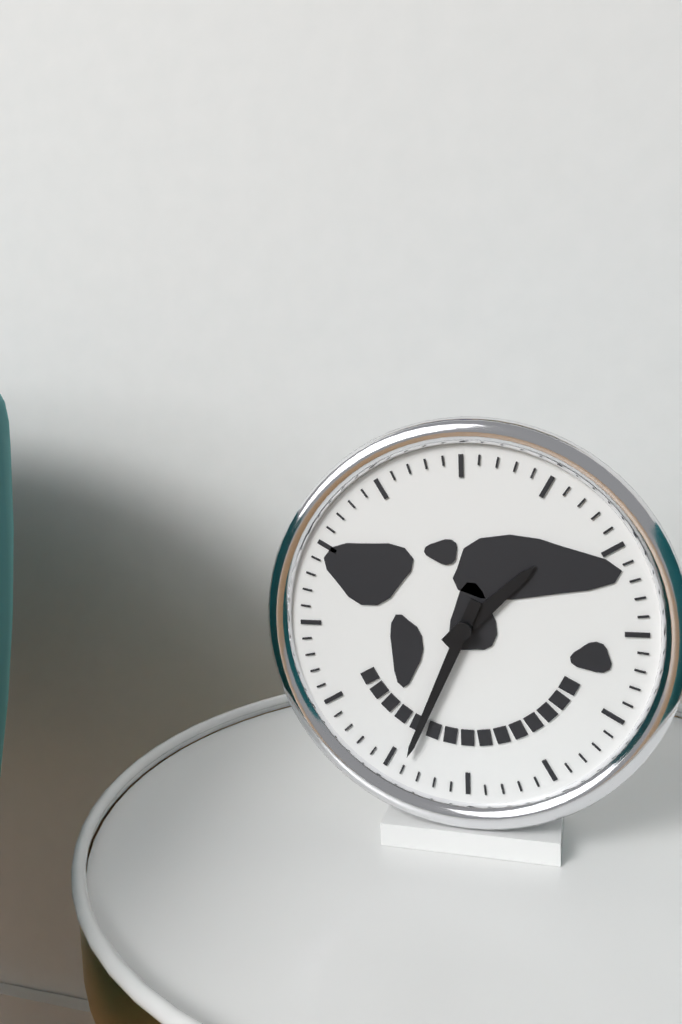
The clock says 1:34
